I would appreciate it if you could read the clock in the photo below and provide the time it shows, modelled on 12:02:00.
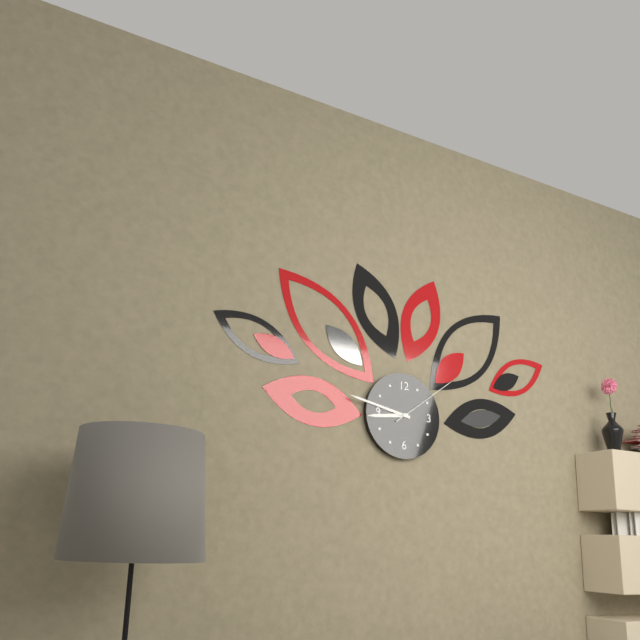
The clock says 8:47:09
